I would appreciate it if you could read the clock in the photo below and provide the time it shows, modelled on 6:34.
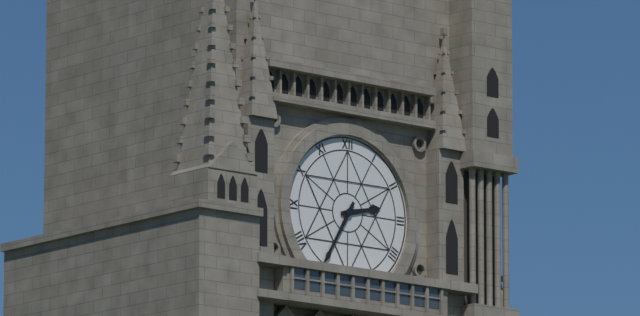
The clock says 2:35
